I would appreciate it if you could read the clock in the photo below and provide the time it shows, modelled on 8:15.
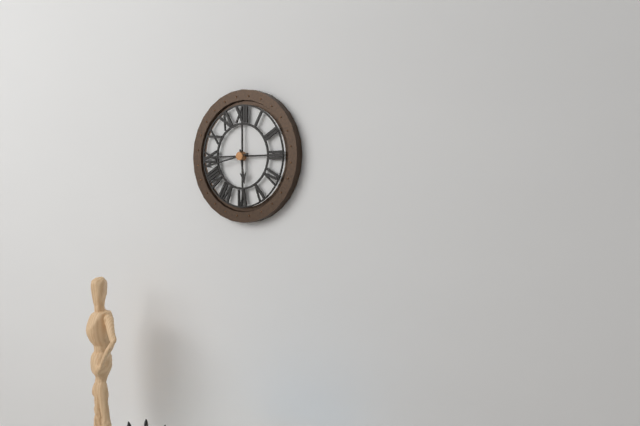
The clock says 5:43
